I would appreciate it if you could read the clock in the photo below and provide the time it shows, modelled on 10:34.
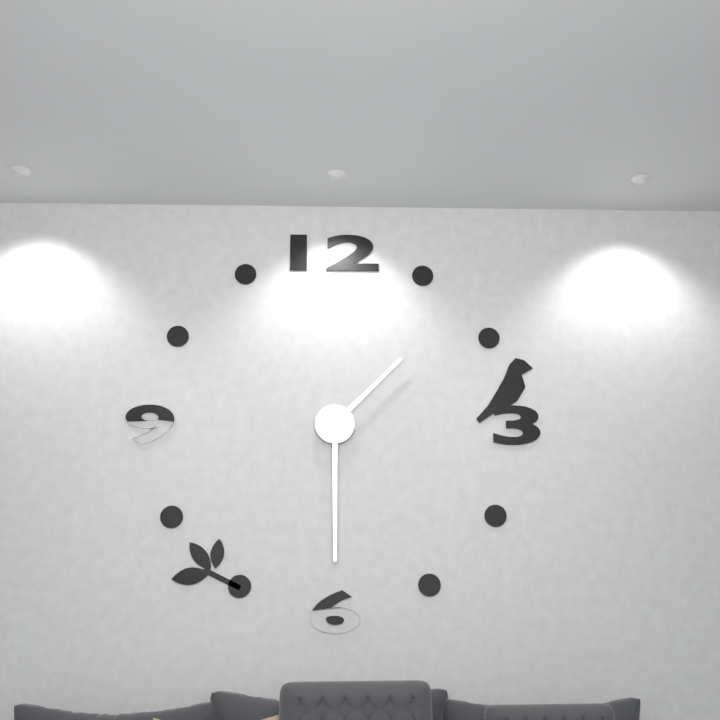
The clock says 1:30
